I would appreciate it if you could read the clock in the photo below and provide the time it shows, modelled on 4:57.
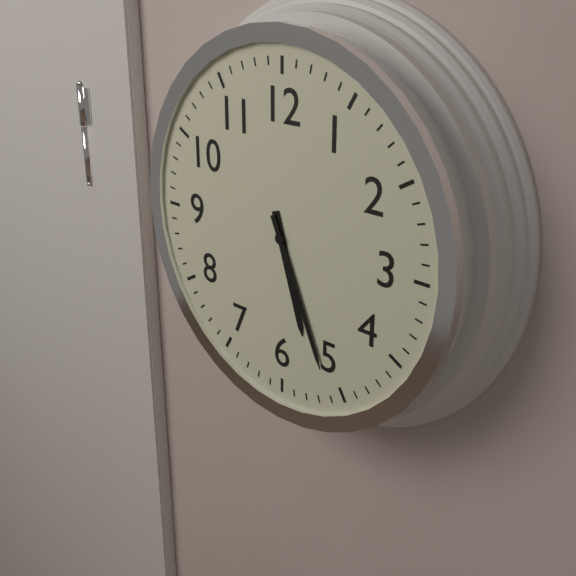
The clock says 5:26
